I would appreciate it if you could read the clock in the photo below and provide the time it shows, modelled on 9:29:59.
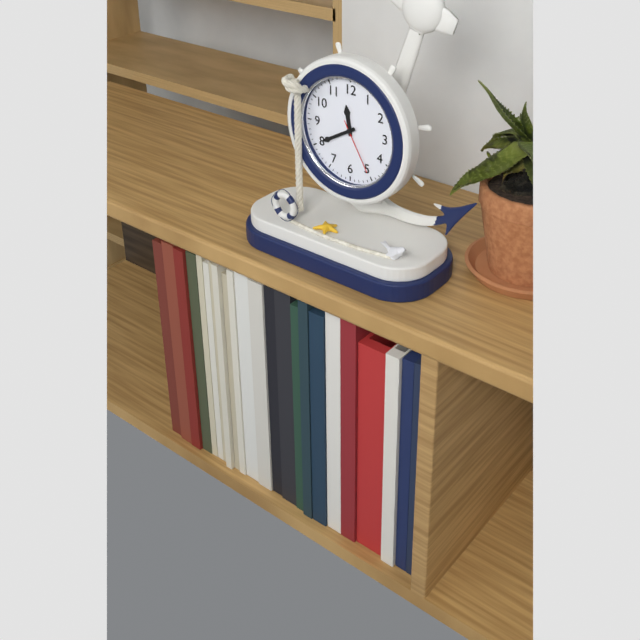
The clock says 11:40:25
